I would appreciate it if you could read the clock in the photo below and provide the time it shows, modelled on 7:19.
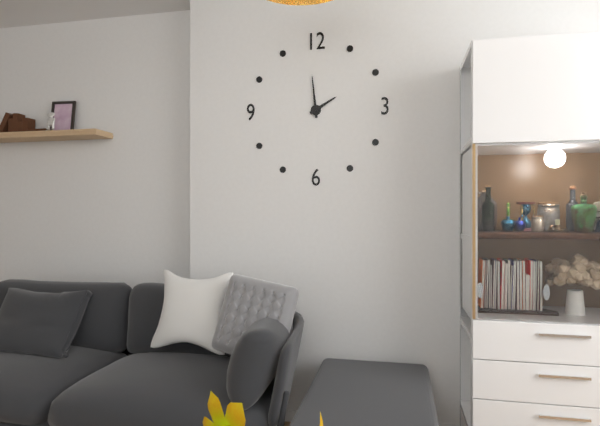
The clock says 1:59
